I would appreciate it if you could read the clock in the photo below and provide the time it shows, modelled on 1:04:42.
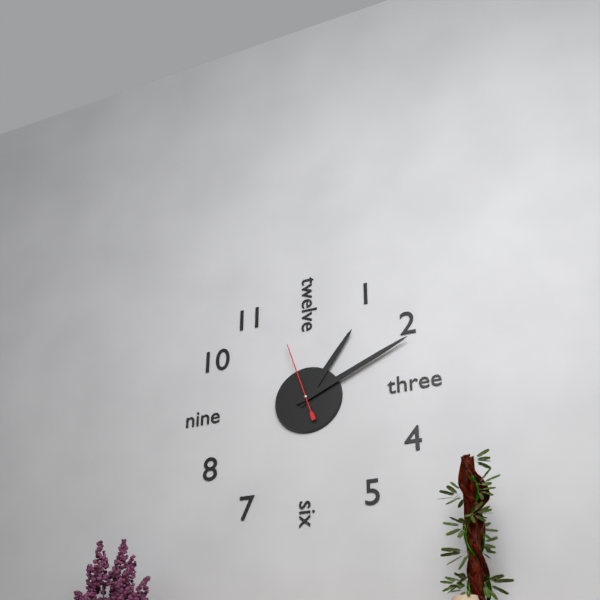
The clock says 1:11:57
